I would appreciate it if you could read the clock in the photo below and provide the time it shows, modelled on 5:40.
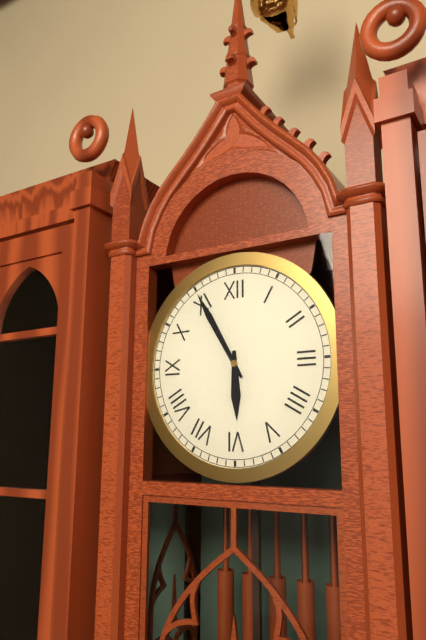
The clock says 5:55
